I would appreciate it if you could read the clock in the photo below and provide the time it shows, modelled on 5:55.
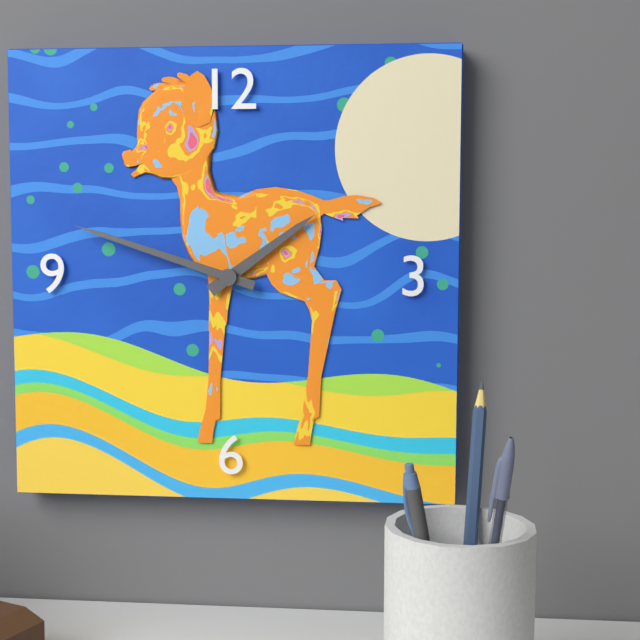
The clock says 1:48
